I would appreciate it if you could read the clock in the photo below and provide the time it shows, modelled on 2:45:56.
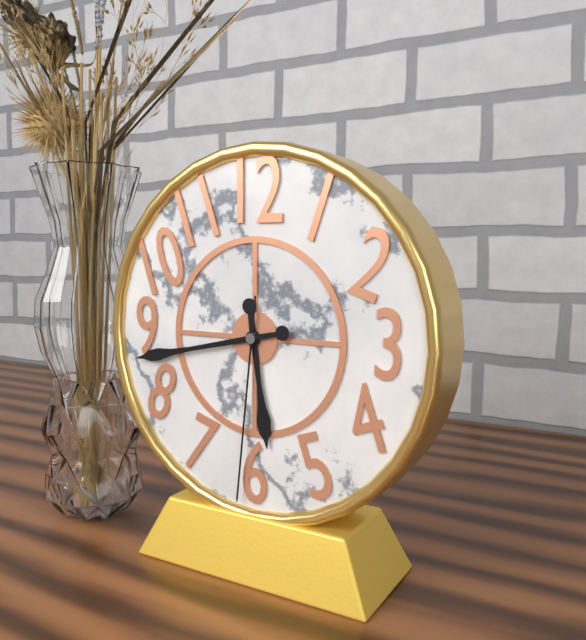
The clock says 5:43:31
